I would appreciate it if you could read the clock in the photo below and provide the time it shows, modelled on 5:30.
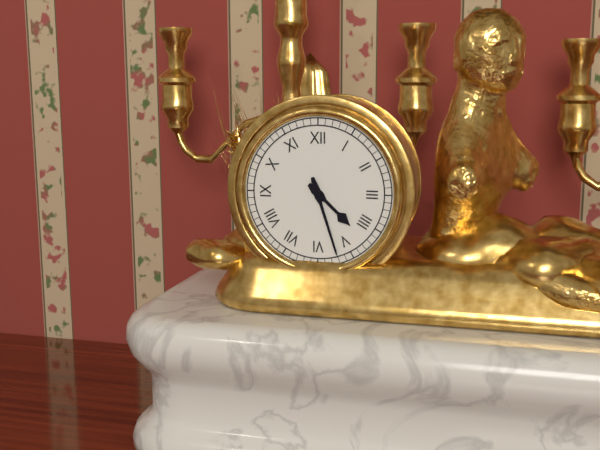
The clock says 4:27
